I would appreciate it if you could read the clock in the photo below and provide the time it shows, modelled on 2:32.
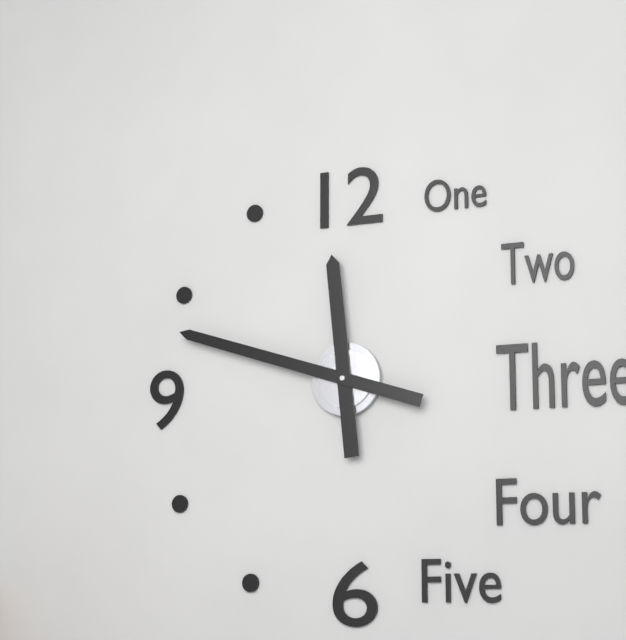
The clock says 11:48
